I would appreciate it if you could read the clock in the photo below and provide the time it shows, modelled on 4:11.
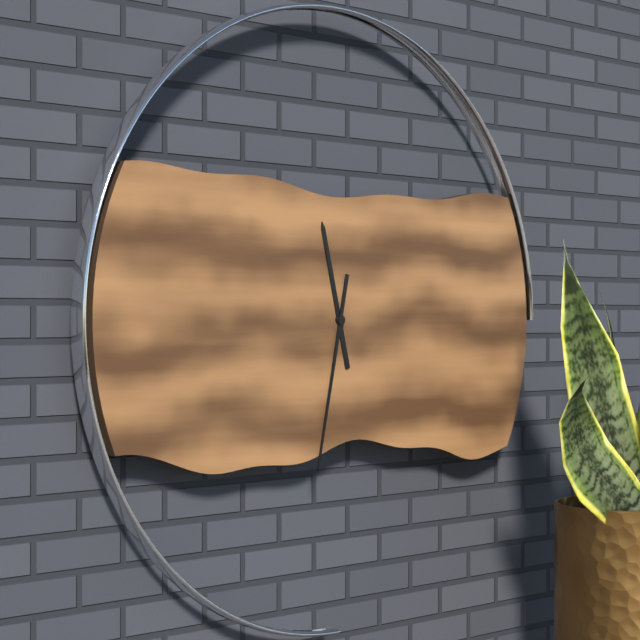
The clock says 11:32
